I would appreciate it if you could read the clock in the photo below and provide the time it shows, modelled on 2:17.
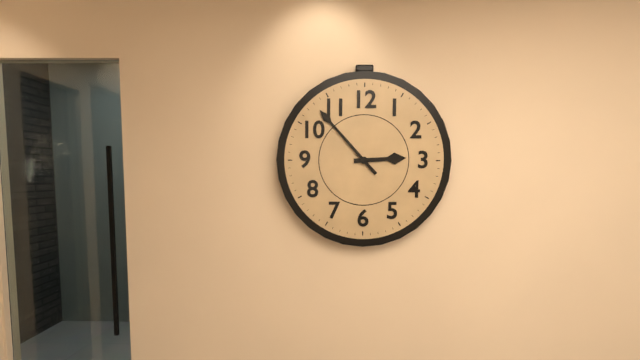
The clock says 2:53
